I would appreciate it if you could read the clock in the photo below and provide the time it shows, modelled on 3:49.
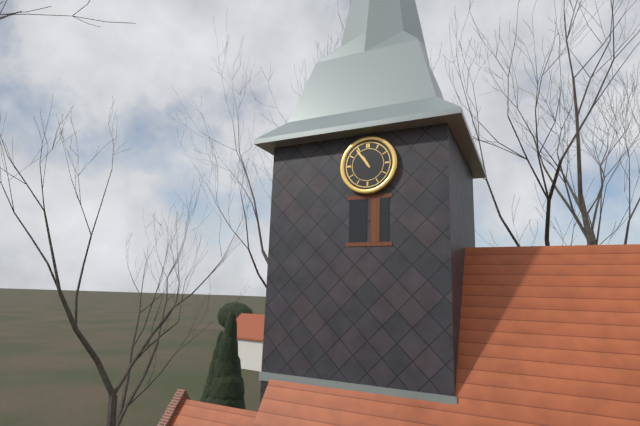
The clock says 10:54
